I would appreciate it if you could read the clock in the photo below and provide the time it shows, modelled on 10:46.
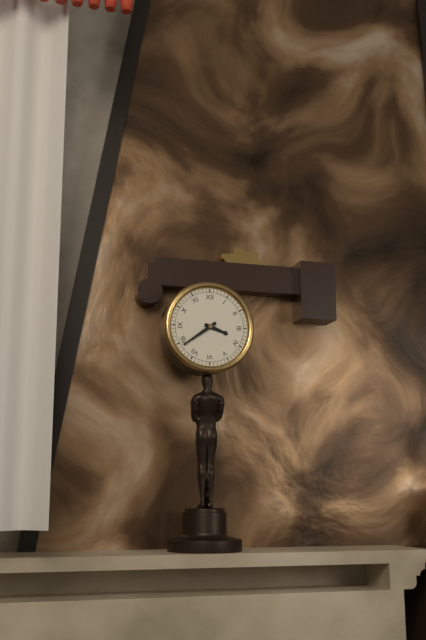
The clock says 3:39
